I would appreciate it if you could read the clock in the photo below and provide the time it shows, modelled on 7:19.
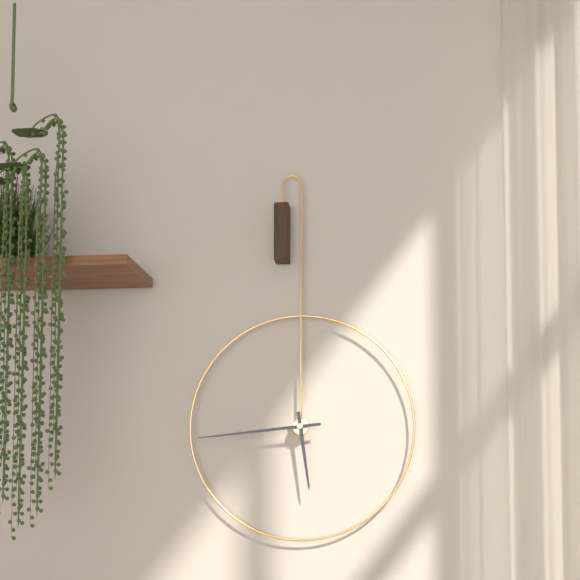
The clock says 5:44
